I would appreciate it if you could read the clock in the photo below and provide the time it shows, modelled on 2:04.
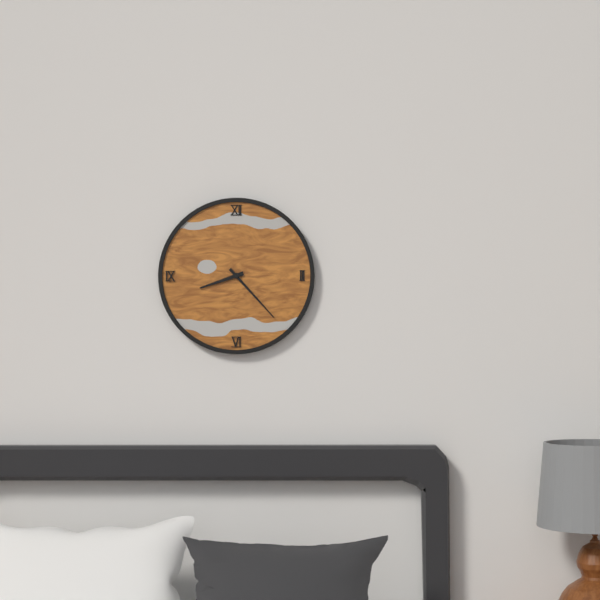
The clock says 8:23
